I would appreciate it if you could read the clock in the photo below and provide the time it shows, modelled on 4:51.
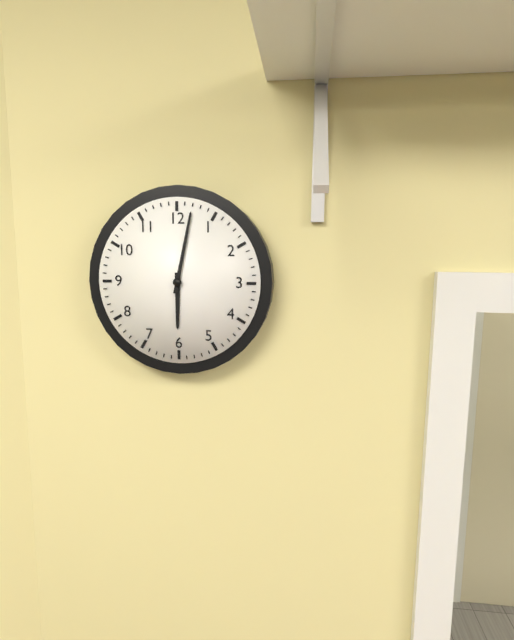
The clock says 6:02
